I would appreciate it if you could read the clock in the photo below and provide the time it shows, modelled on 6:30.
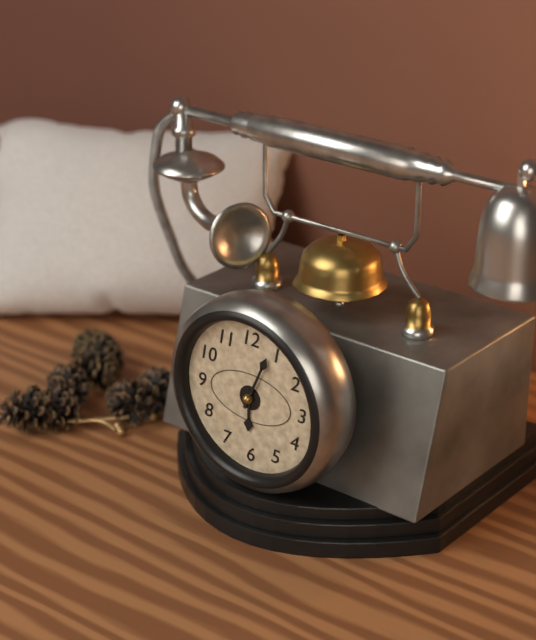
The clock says 6:04
